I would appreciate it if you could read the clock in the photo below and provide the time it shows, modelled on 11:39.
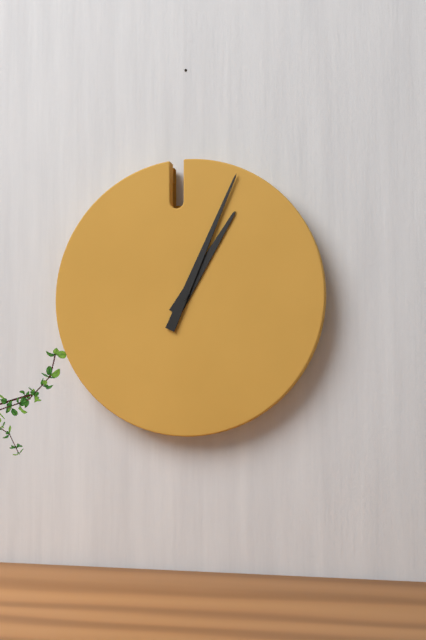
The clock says 1:04
